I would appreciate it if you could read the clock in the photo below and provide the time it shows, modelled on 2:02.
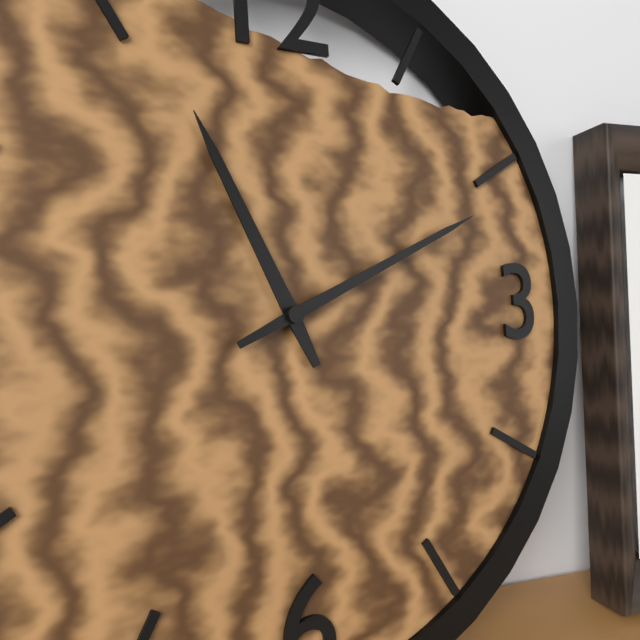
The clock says 11:11
